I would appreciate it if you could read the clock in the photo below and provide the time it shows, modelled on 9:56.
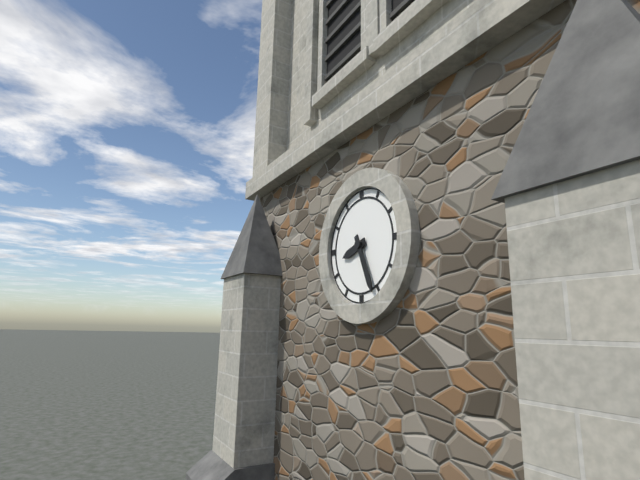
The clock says 8:26
